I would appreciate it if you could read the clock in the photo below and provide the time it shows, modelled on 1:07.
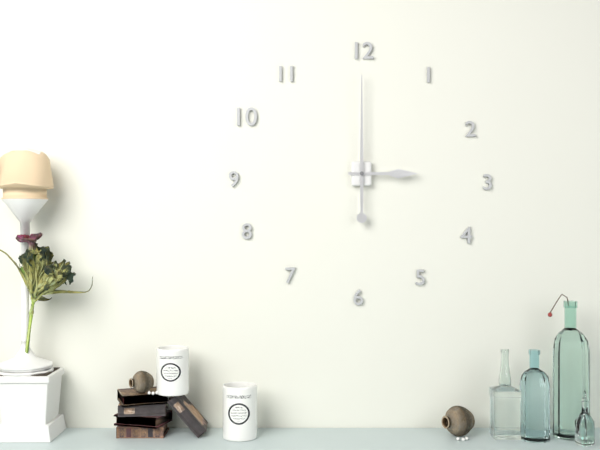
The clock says 3:00
